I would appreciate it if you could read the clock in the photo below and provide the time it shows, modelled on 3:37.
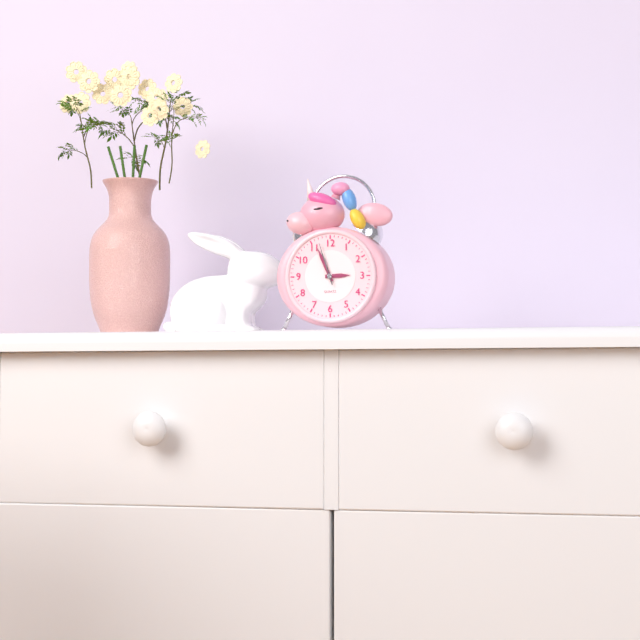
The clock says 2:56
